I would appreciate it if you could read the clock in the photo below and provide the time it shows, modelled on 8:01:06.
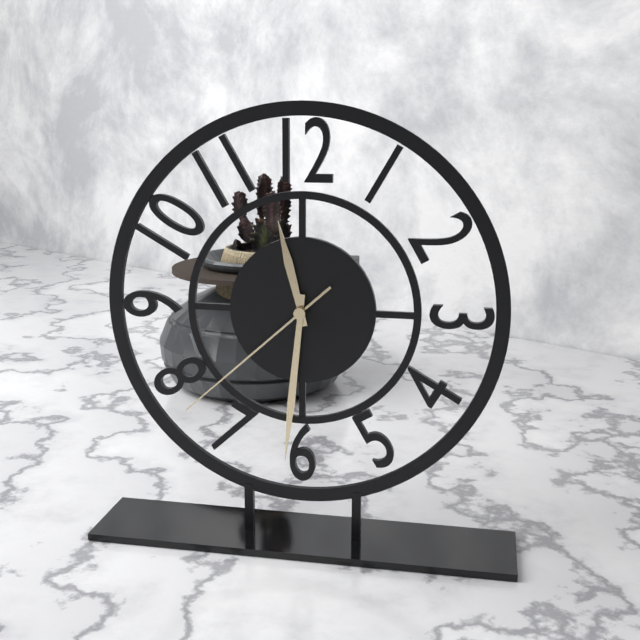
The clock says 11:31:38
